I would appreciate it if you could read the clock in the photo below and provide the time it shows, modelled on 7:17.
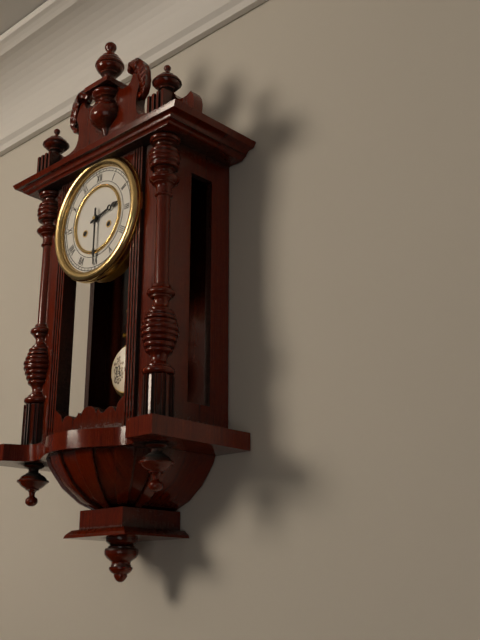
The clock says 2:30
